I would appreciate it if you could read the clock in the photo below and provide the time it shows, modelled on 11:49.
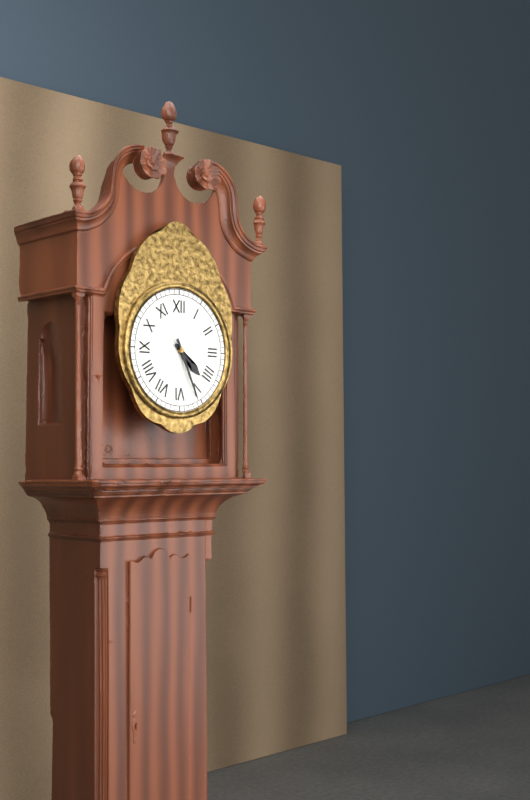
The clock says 4:26
